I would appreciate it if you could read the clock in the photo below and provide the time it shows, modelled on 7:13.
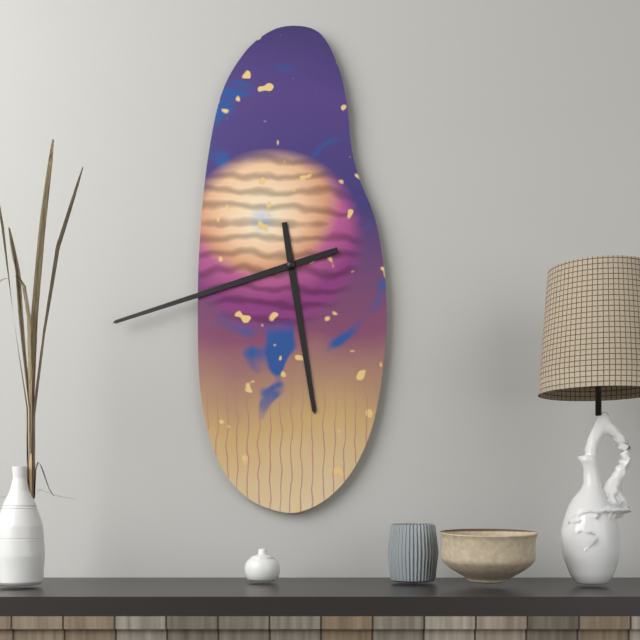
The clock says 5:42
